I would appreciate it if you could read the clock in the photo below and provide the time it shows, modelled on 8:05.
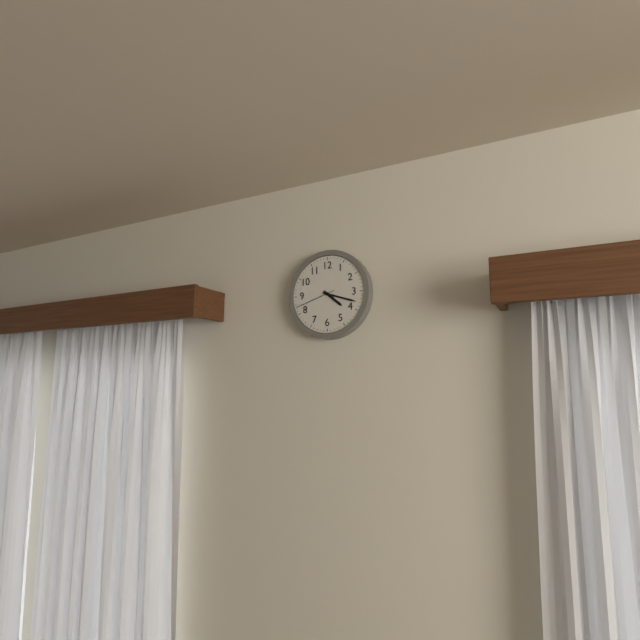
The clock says 4:18
